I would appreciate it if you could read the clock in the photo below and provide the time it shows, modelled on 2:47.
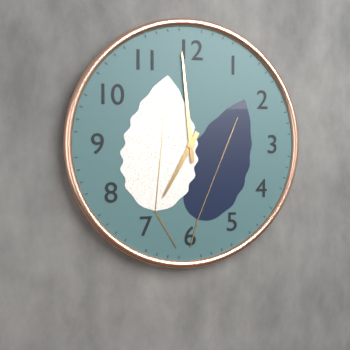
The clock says 6:59
